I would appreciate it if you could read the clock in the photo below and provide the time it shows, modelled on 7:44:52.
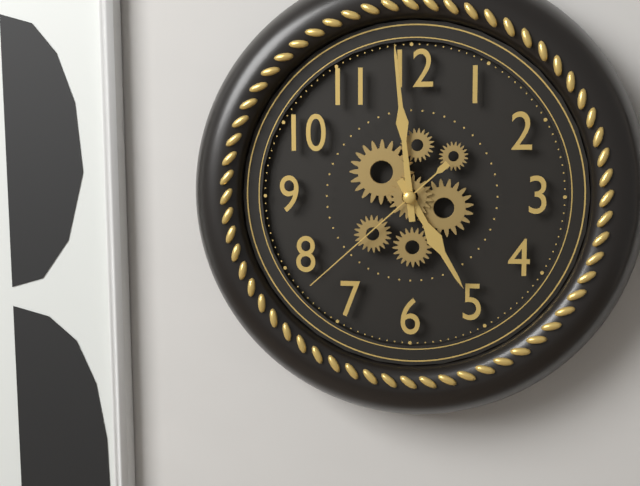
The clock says 4:59:38
